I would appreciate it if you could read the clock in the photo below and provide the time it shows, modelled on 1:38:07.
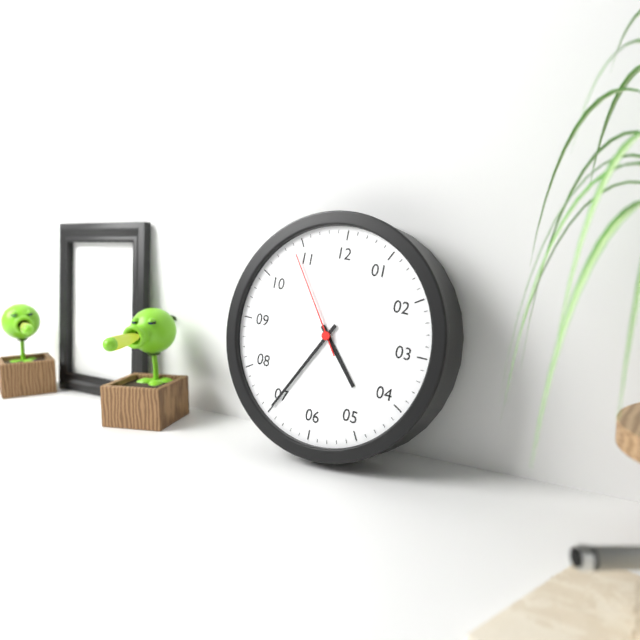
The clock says 4:35:54
